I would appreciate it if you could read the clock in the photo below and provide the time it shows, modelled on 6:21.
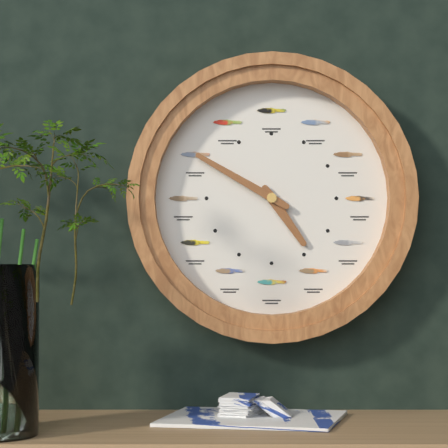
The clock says 4:50
